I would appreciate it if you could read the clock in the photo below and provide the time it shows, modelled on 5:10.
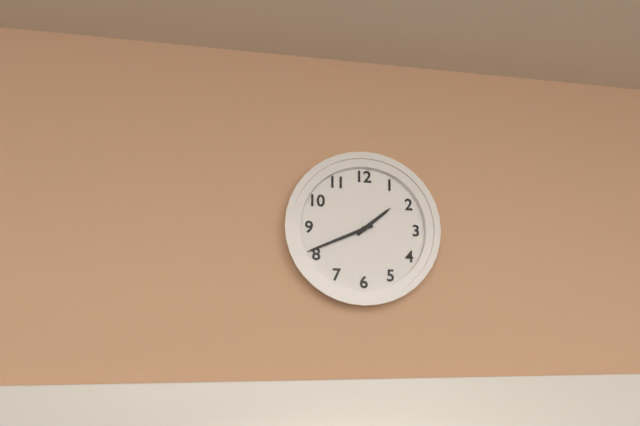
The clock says 1:41
